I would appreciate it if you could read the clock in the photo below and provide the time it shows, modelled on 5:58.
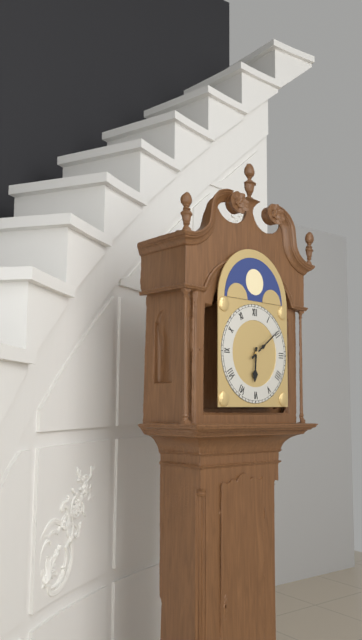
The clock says 6:09
